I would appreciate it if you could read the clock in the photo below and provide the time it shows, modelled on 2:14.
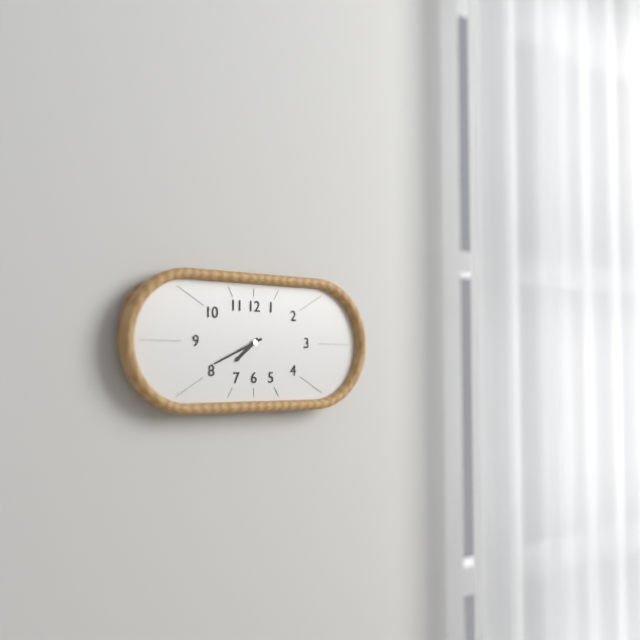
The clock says 7:41
